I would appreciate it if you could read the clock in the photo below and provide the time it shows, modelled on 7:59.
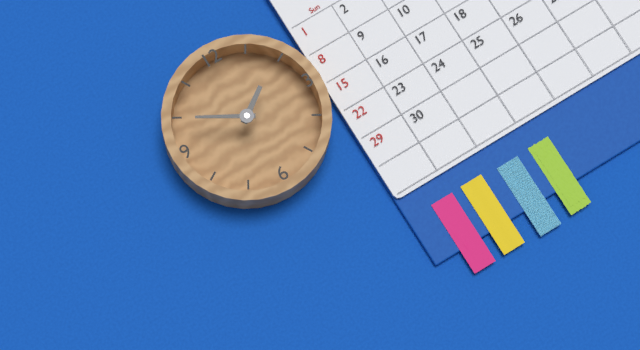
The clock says 1:50
